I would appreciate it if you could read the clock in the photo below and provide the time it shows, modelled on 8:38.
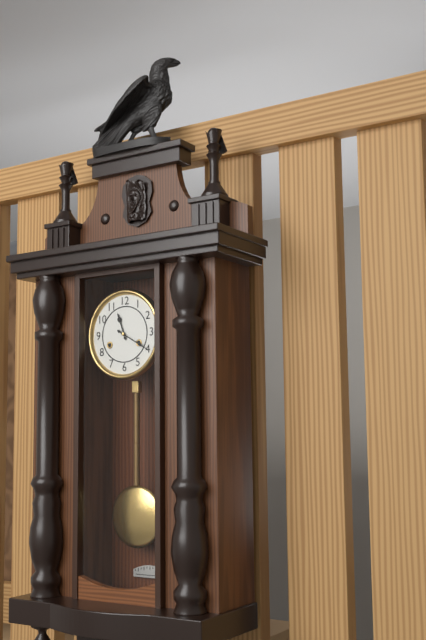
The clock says 11:20
